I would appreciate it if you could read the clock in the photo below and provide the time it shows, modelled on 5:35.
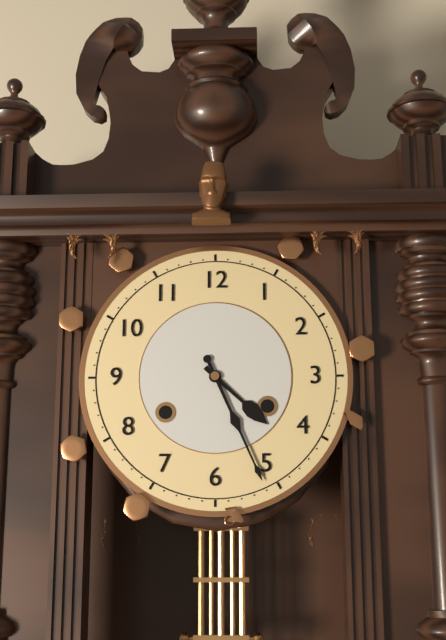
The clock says 4:26
